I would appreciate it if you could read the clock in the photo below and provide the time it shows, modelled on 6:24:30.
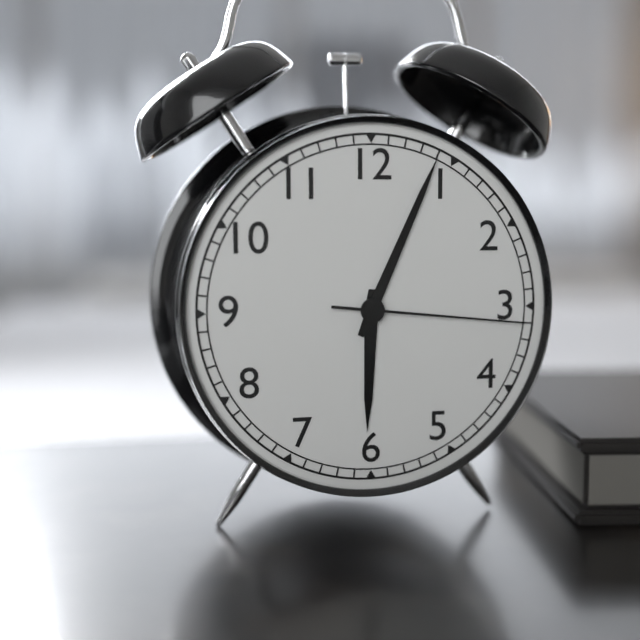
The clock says 6:04:16
